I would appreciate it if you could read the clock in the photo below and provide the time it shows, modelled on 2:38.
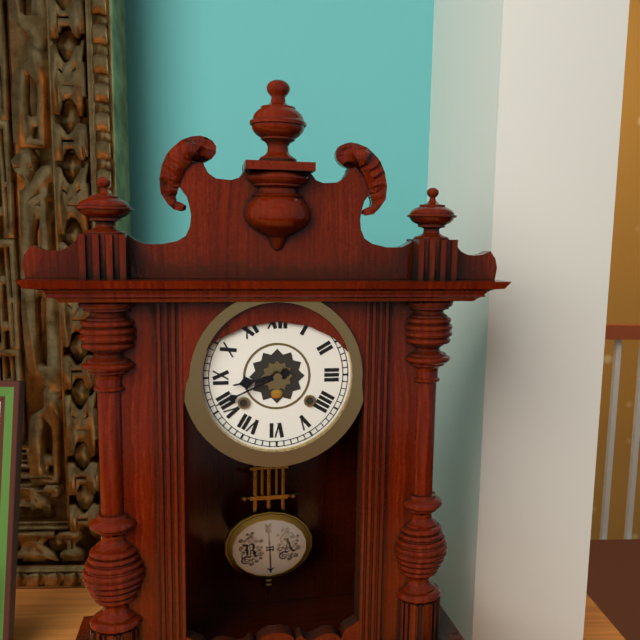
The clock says 8:41
